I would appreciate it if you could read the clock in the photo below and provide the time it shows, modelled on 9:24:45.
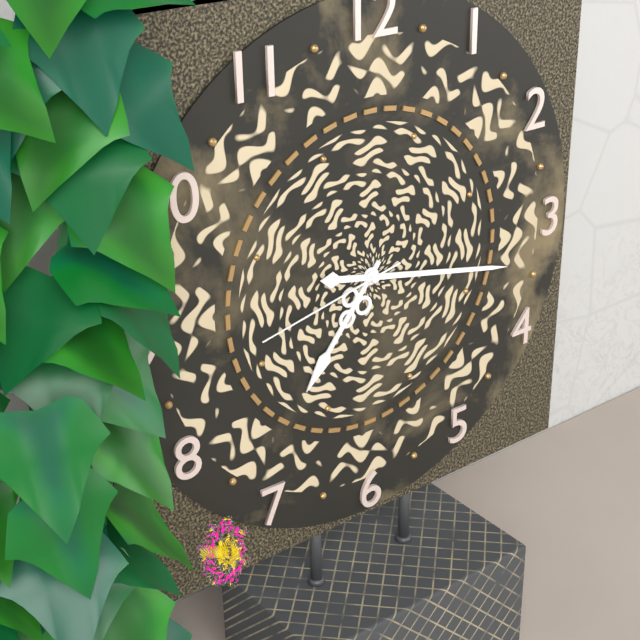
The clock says 7:17:43
